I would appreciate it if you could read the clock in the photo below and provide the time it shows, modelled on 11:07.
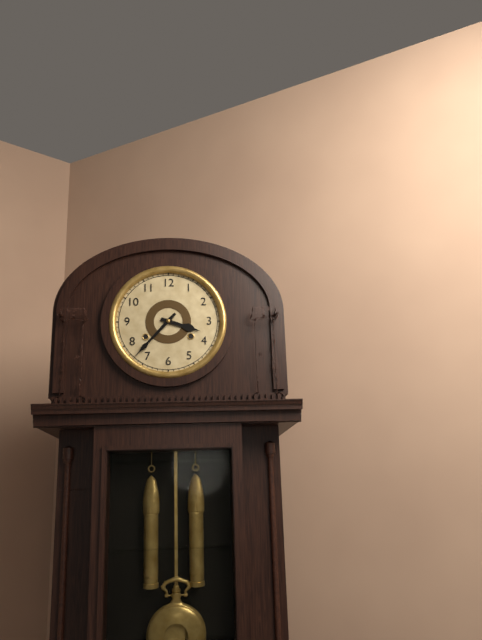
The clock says 3:37
